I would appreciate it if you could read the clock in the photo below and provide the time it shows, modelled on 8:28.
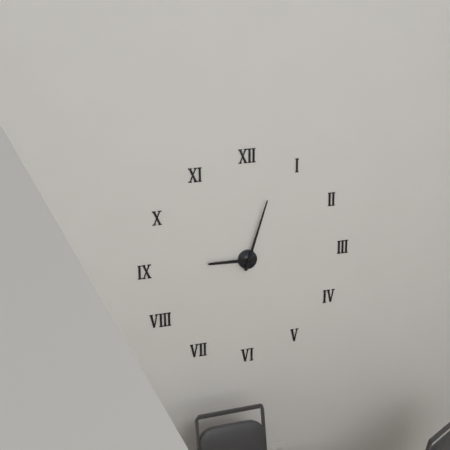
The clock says 9:03
